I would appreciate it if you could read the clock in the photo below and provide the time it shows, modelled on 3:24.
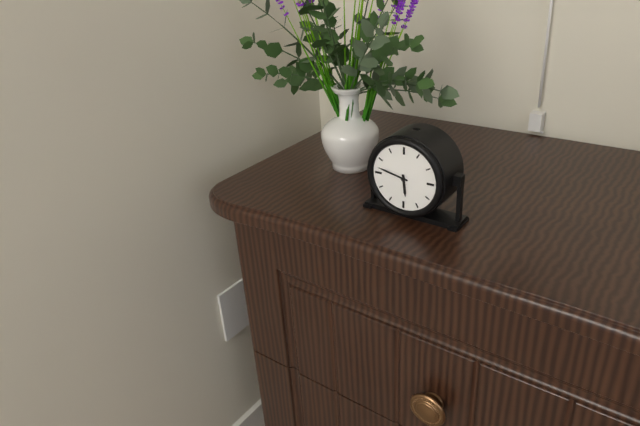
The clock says 5:47
